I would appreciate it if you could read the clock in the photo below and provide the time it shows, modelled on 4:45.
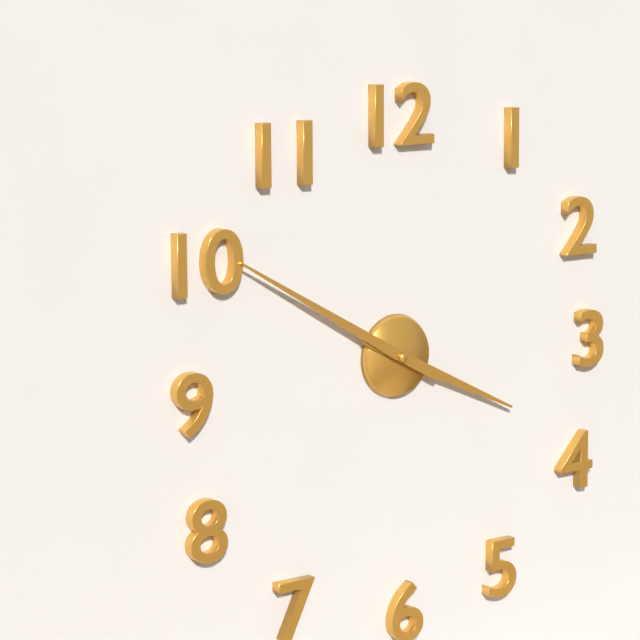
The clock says 3:50
